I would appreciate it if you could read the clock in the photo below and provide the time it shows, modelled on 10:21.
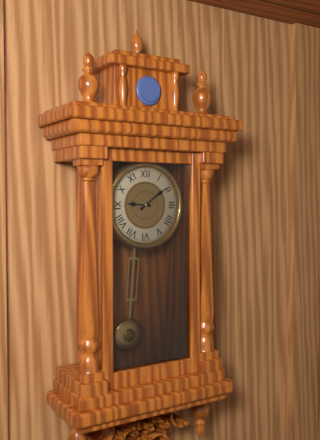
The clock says 9:09
